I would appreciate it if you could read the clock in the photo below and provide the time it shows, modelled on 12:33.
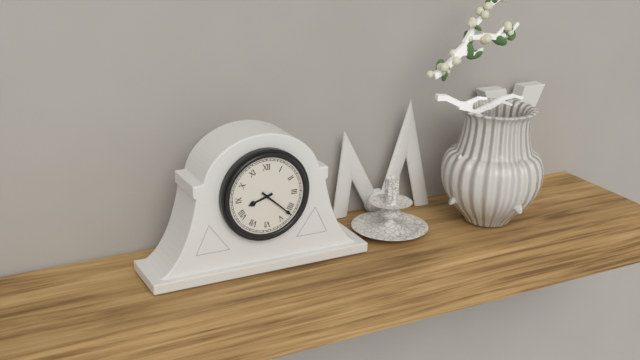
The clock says 8:22
